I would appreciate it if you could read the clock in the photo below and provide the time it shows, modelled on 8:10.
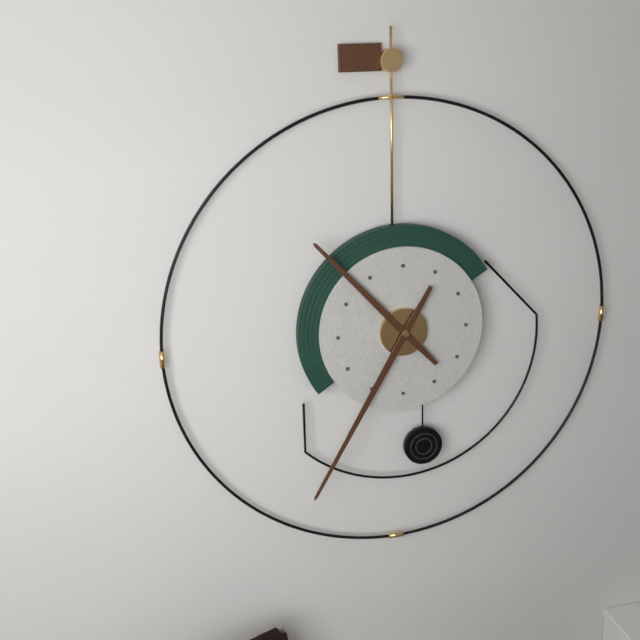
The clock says 10:35
